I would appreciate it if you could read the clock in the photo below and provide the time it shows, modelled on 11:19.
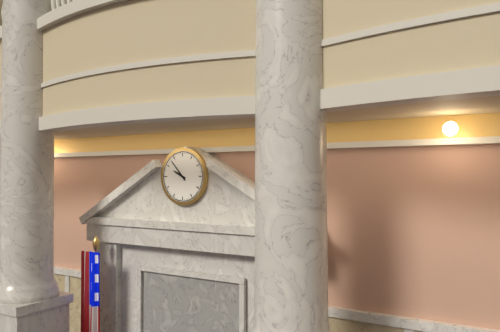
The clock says 9:53
